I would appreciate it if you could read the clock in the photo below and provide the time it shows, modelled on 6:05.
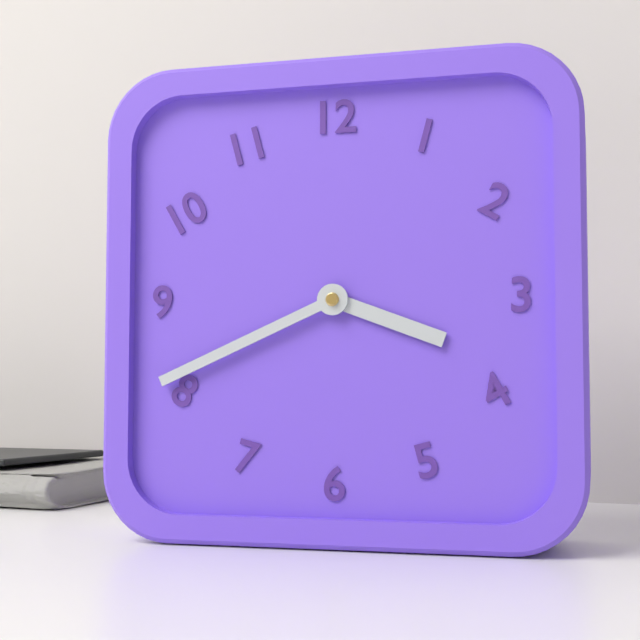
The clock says 3:41
